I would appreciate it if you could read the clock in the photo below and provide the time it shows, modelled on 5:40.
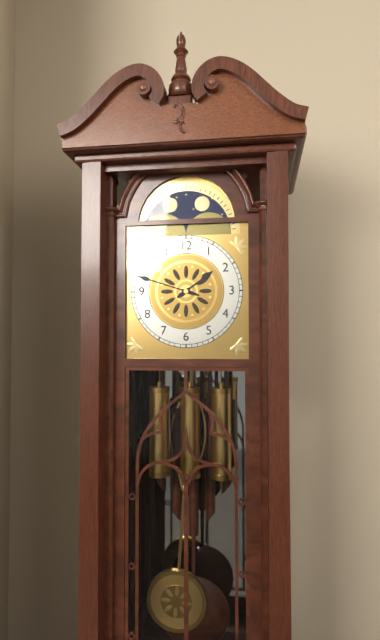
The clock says 1:48
